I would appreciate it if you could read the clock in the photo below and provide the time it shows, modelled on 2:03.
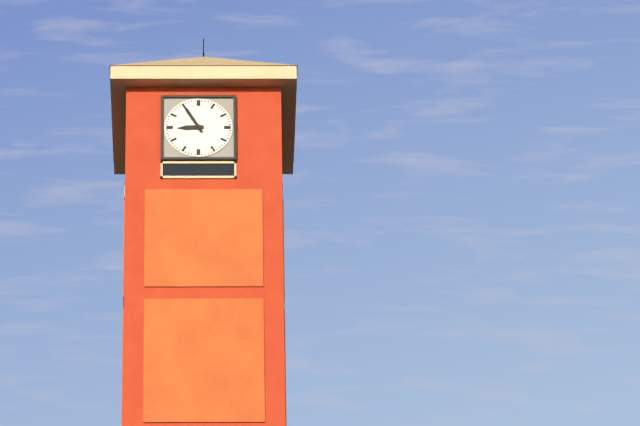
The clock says 8:55
